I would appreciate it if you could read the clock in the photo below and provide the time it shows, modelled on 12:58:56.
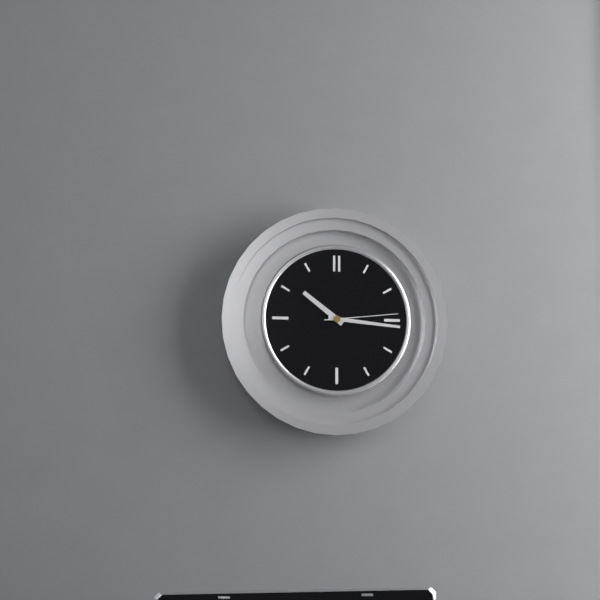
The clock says 10:16:14
